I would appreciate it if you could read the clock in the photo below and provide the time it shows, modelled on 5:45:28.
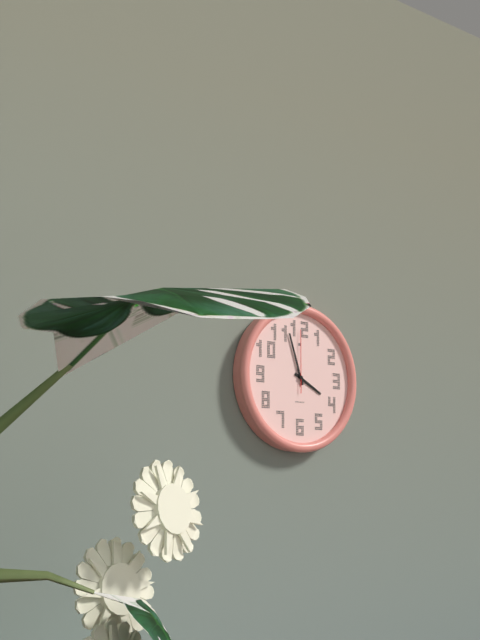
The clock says 3:57:00
